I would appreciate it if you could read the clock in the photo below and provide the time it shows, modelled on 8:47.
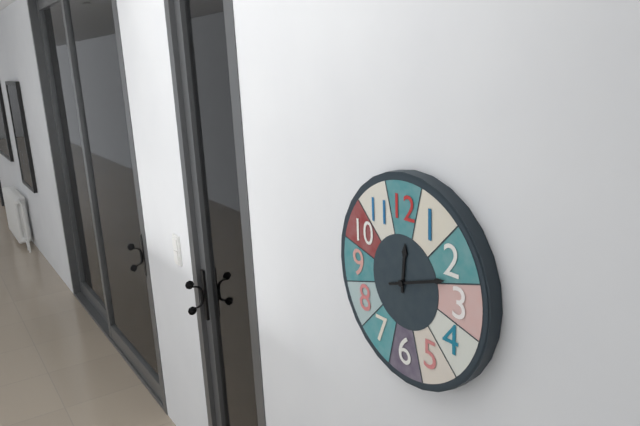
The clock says 12:12
